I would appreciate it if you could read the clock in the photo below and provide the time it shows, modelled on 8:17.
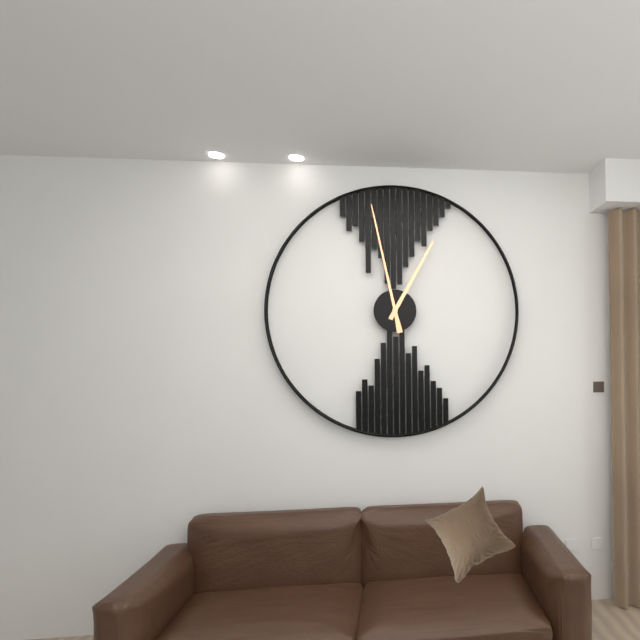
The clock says 12:58
